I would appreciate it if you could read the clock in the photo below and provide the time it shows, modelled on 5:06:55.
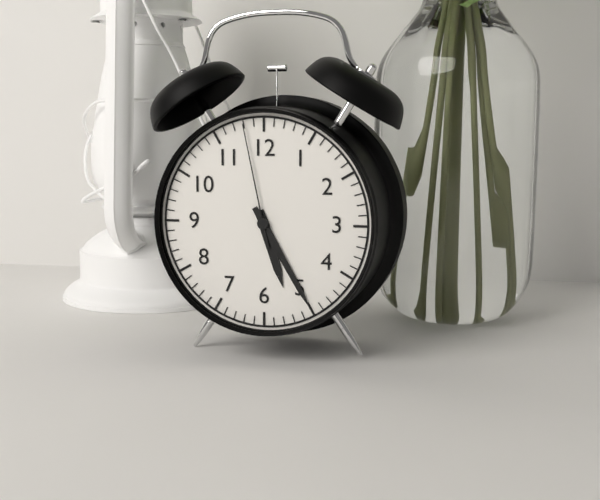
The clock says 5:25:58
